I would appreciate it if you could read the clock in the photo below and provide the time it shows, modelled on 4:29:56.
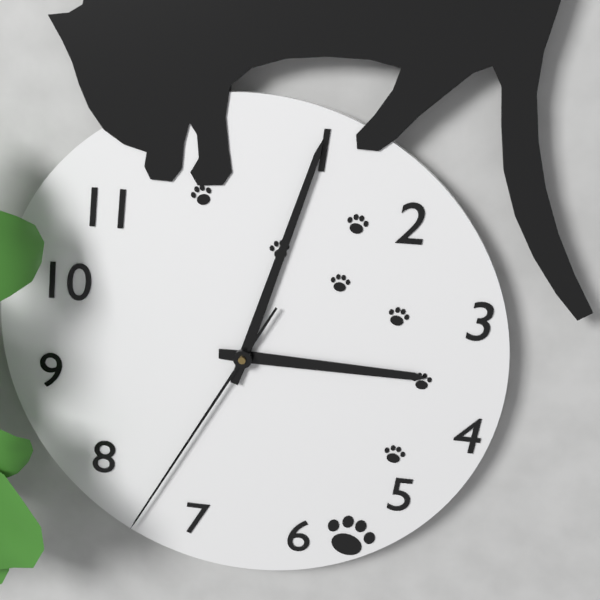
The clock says 3:03:35
